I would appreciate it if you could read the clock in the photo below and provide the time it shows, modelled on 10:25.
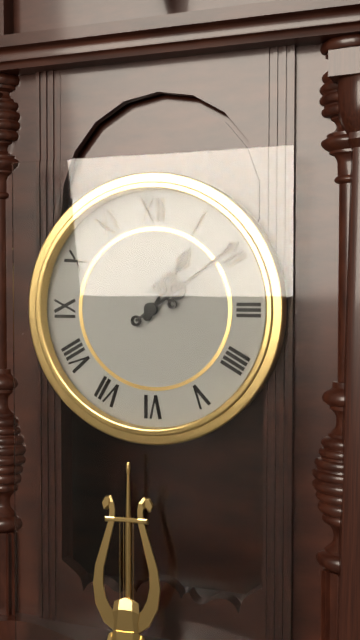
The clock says 1:09
